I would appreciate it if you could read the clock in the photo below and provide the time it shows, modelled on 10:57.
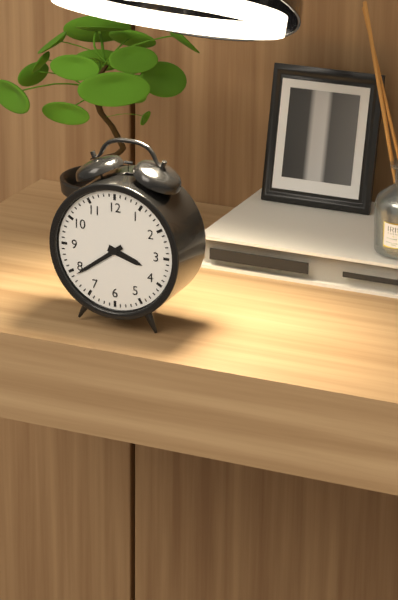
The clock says 3:39
